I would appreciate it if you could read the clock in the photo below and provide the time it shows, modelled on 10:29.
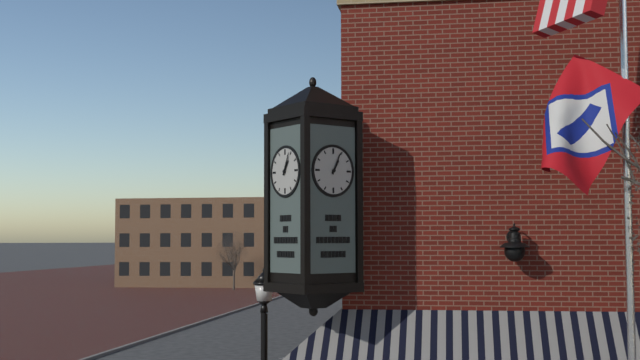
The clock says 1:04
